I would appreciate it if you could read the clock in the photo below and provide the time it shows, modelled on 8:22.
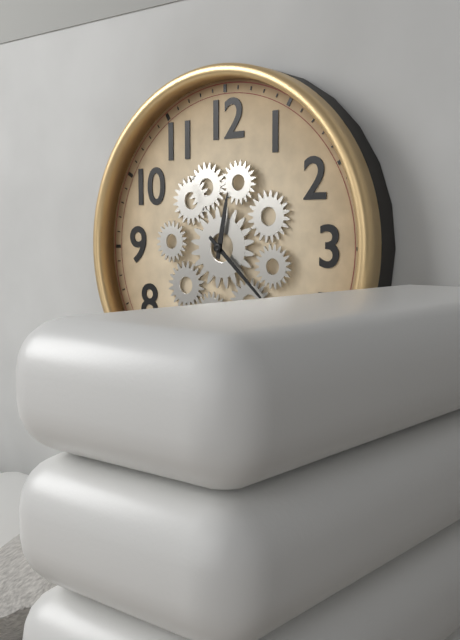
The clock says 12:22
